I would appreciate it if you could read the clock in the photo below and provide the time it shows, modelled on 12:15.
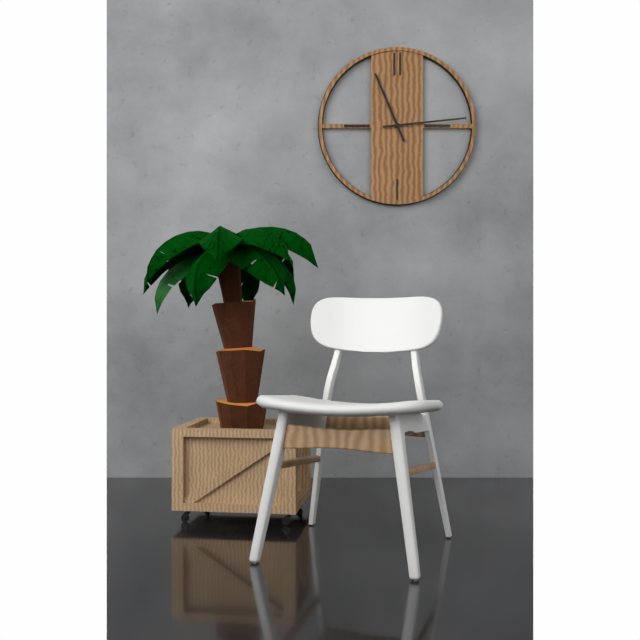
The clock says 11:14
